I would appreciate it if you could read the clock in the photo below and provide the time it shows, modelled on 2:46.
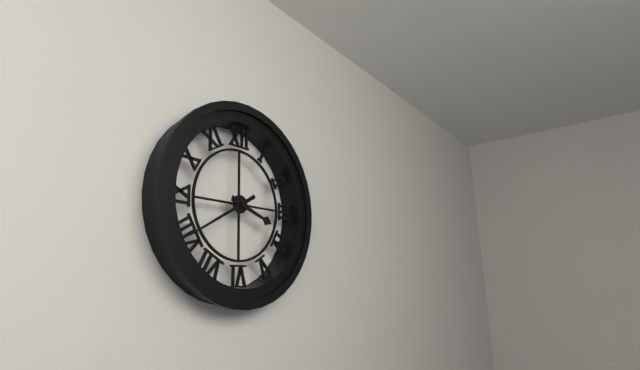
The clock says 3:40
